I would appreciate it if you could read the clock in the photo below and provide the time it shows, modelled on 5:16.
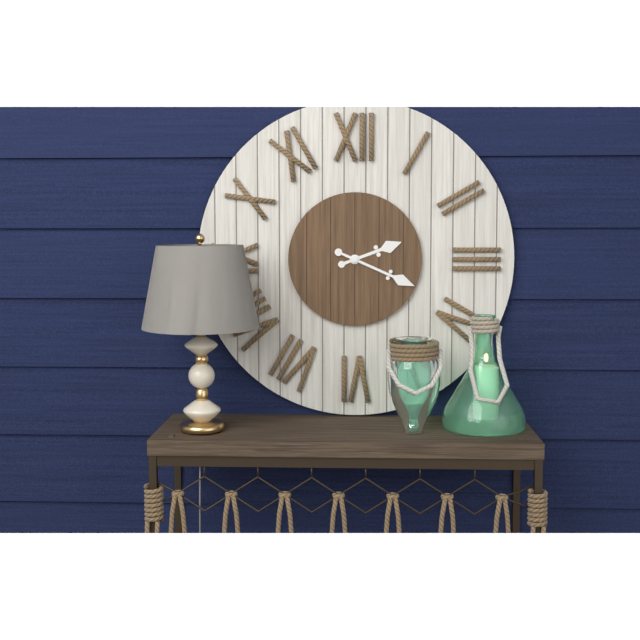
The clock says 2:19
